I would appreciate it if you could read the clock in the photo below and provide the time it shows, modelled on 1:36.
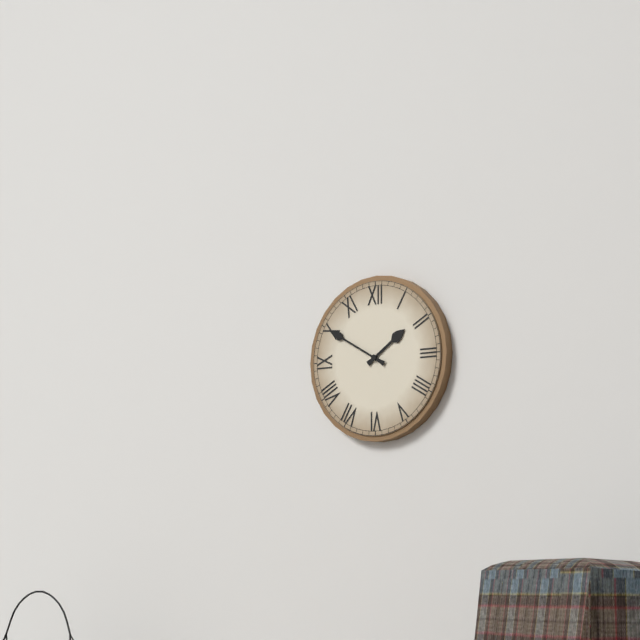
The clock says 1:50
